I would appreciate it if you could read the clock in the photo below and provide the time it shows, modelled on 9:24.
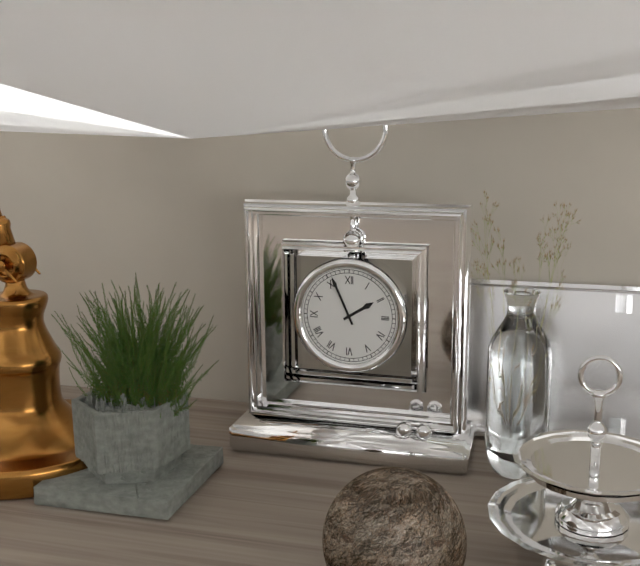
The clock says 1:56
